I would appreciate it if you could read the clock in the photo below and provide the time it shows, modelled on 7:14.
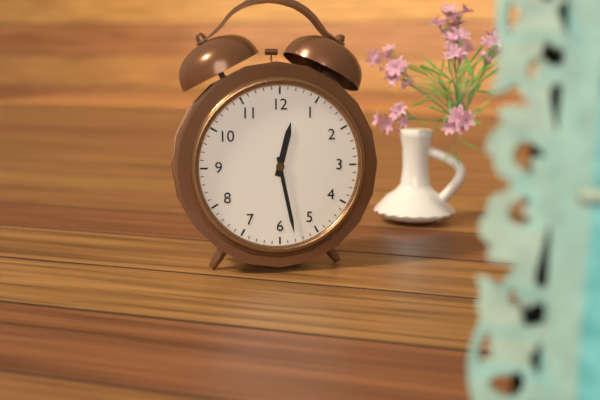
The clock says 12:28
